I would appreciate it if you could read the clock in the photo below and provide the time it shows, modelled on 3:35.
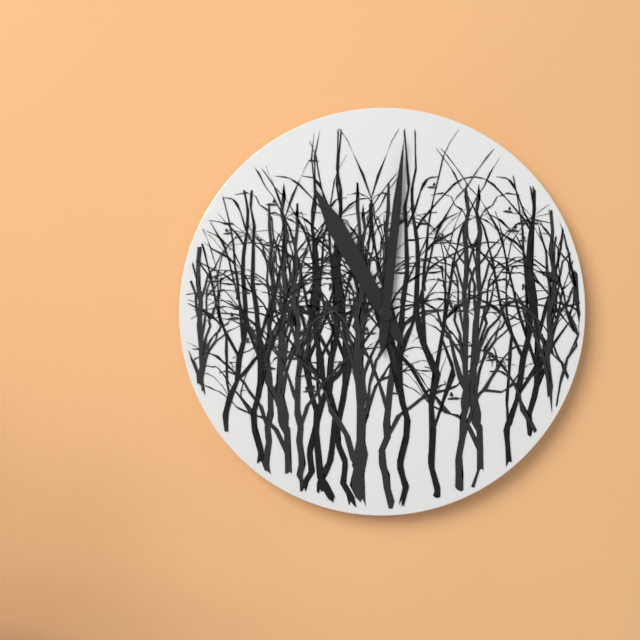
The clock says 11:01
